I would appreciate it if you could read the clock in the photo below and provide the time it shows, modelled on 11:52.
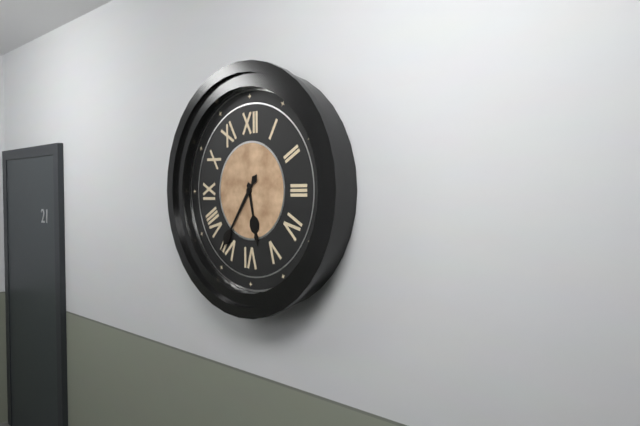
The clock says 5:36
